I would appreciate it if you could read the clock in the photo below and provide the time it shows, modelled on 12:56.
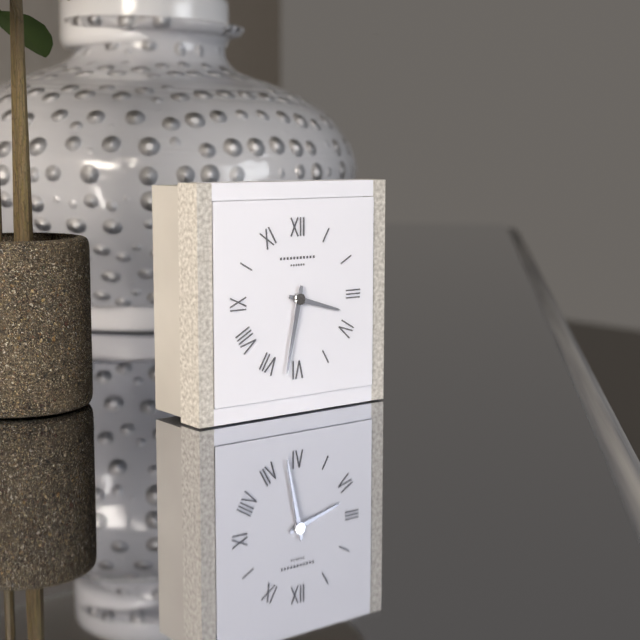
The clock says 3:32
